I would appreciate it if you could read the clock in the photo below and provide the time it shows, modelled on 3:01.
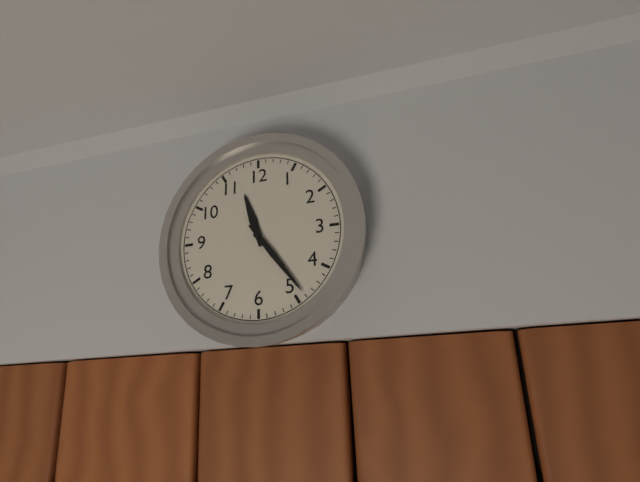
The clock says 11:24
